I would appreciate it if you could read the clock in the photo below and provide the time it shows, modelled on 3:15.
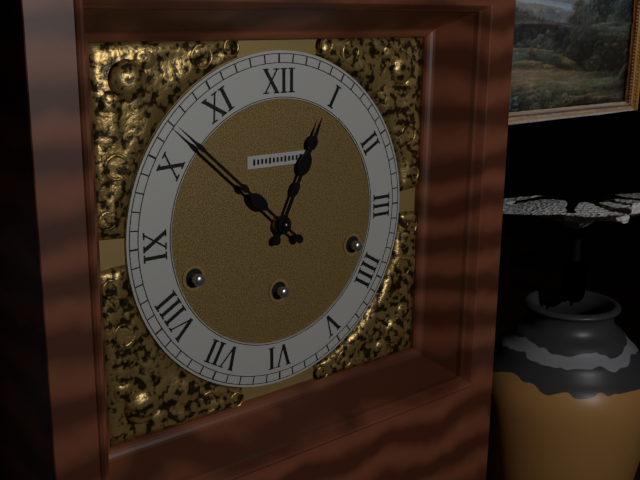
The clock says 12:52
